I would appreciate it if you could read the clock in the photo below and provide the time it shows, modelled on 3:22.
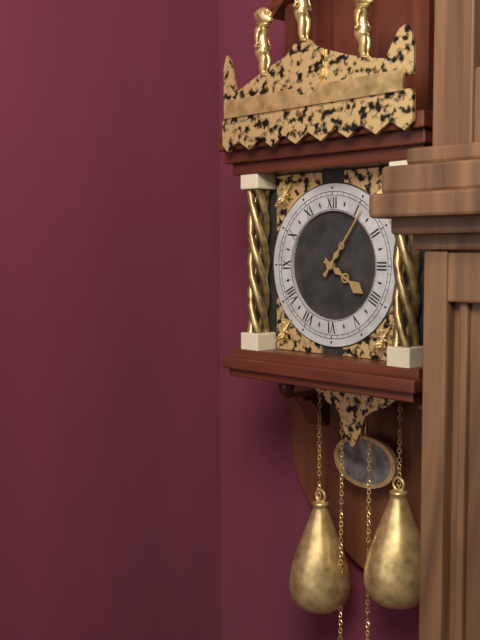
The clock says 4:06
